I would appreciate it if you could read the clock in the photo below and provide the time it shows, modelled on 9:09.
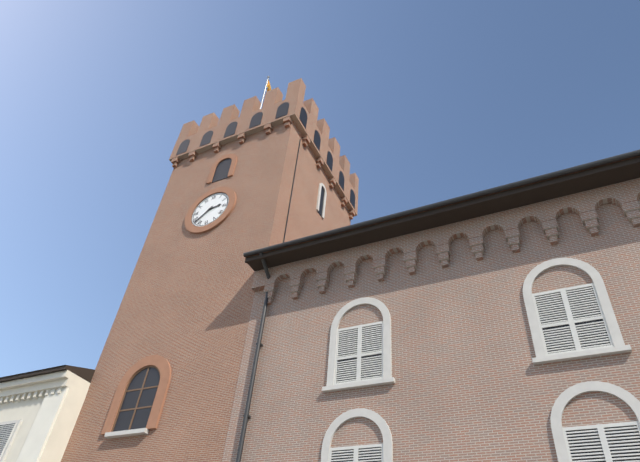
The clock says 2:38
